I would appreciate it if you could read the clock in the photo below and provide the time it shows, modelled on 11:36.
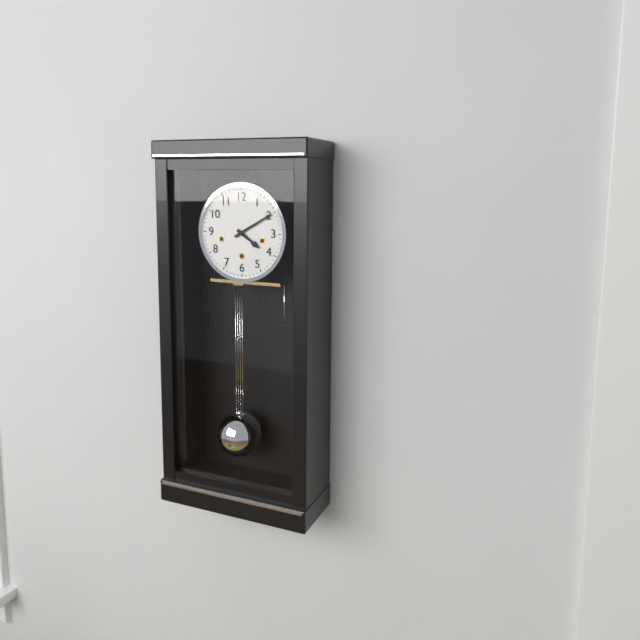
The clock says 4:10
